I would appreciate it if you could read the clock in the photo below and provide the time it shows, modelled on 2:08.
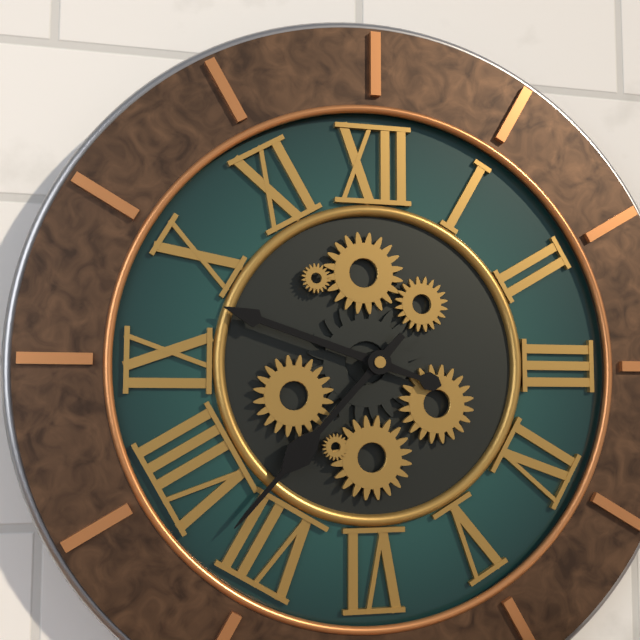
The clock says 9:37
